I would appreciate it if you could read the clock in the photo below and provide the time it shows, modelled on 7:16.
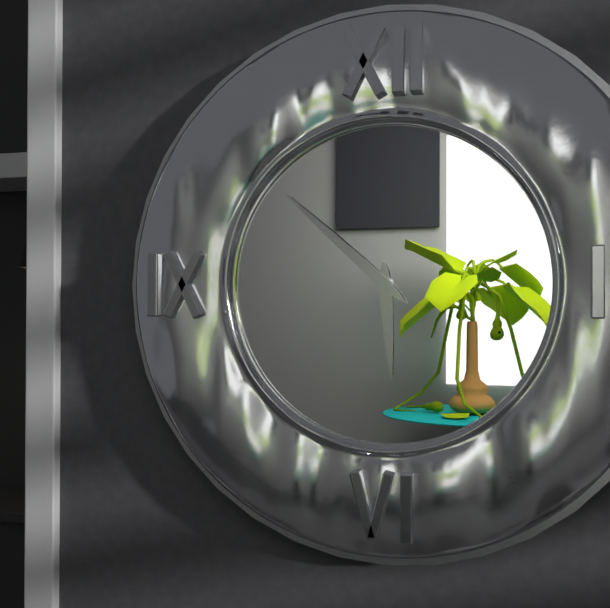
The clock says 5:52
